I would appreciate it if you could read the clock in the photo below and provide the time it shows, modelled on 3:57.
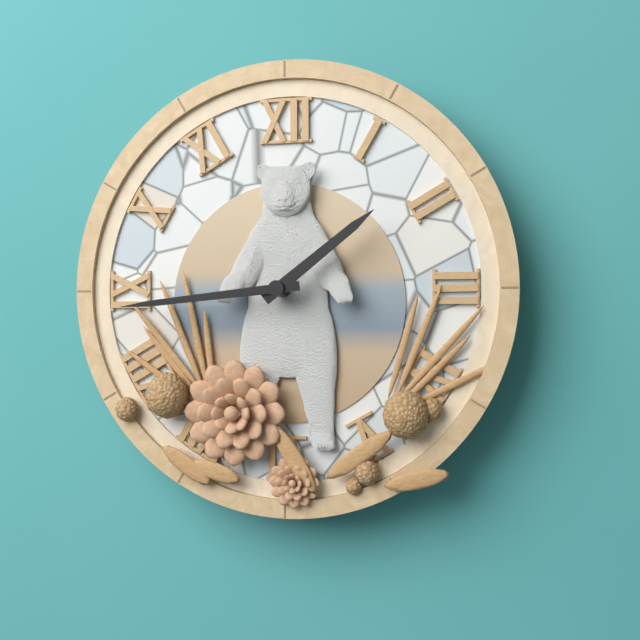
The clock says 1:44
